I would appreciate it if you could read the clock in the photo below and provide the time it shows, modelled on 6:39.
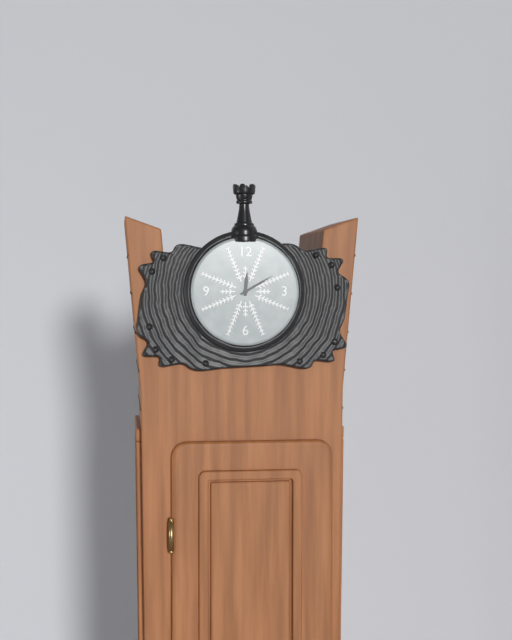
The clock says 12:10
